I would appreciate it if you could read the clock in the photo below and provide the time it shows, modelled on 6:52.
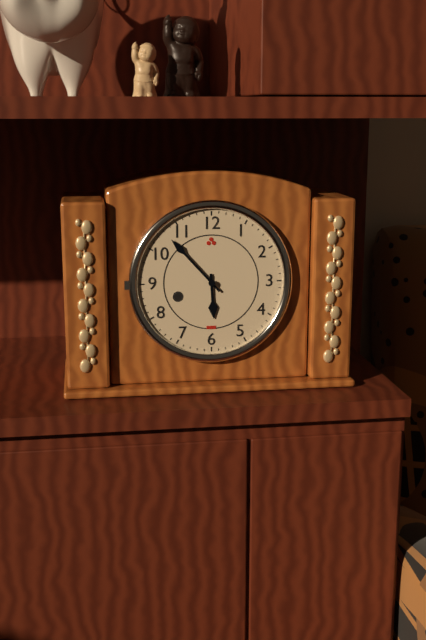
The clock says 5:53
